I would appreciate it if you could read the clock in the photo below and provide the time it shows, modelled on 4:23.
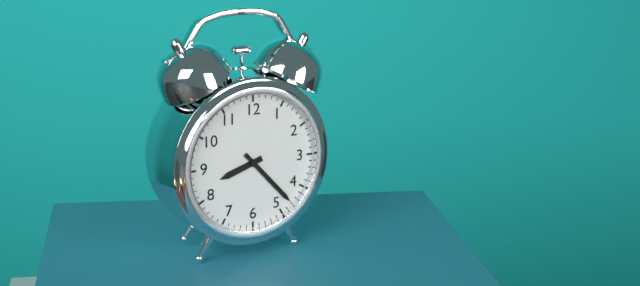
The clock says 8:23
